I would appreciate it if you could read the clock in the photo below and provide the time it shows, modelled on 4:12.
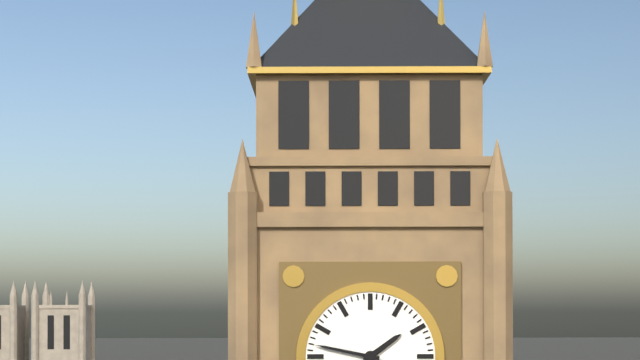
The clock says 1:47
